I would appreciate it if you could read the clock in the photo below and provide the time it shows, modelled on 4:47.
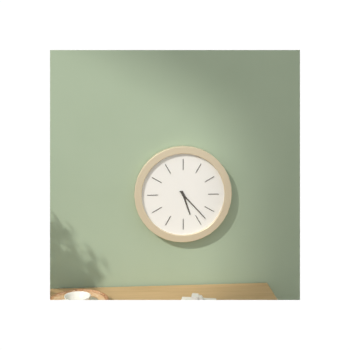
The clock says 5:23
